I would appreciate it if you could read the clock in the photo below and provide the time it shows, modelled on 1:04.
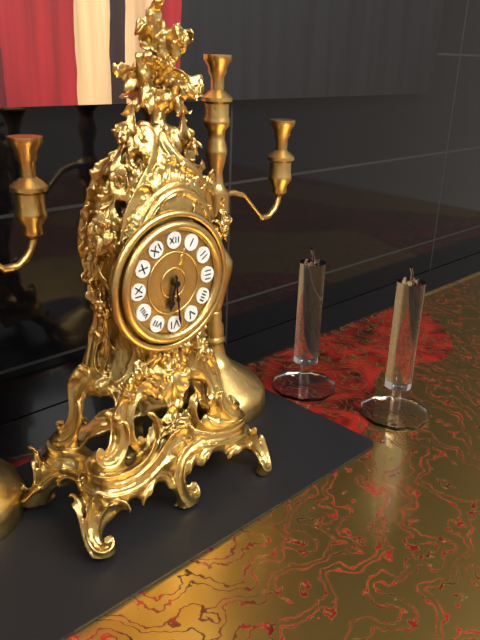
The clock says 6:29
